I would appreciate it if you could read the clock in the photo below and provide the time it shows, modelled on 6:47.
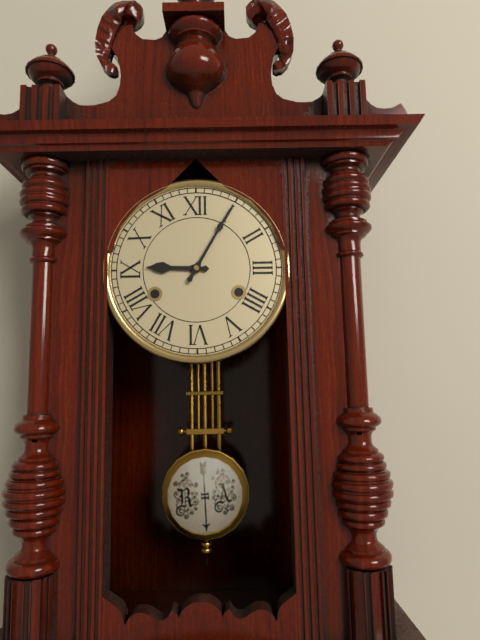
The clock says 9:05
